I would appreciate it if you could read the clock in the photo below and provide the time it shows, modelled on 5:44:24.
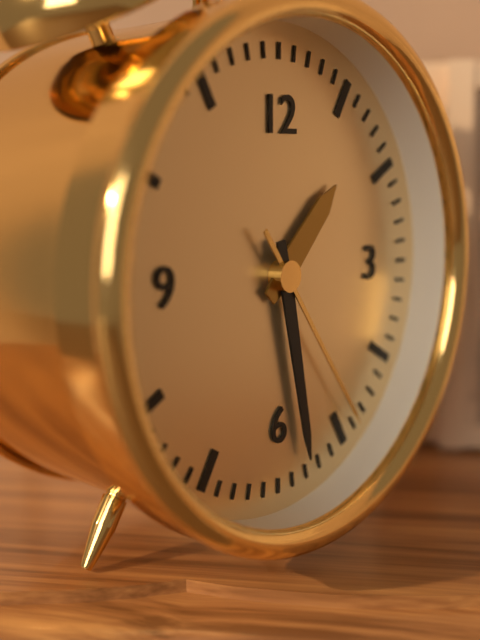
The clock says 1:28:24
